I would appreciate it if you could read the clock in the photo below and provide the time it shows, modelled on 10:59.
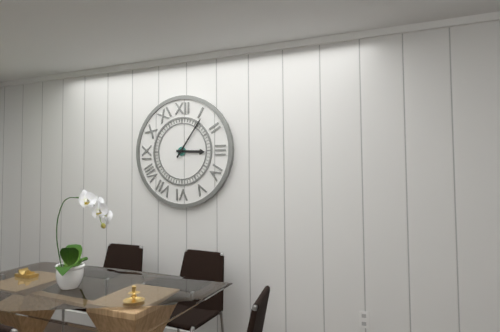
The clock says 3:06
